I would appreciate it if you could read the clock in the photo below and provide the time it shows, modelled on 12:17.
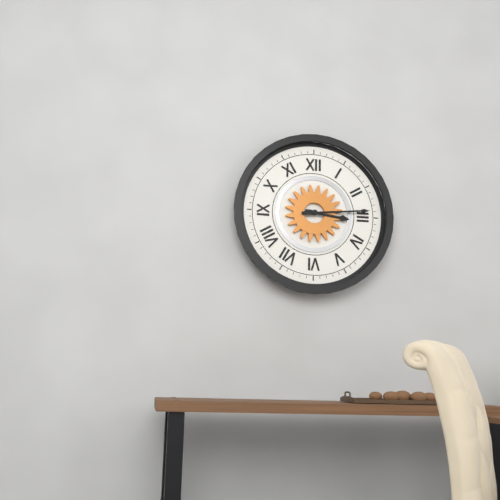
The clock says 3:14
